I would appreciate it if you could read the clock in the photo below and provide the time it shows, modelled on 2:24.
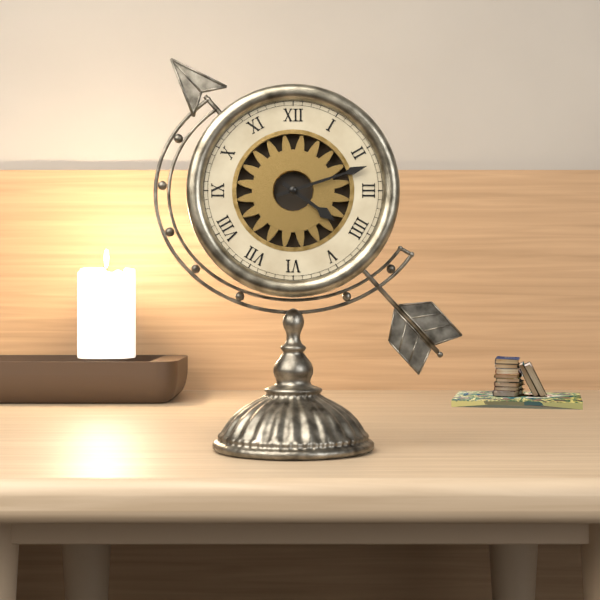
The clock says 4:12
